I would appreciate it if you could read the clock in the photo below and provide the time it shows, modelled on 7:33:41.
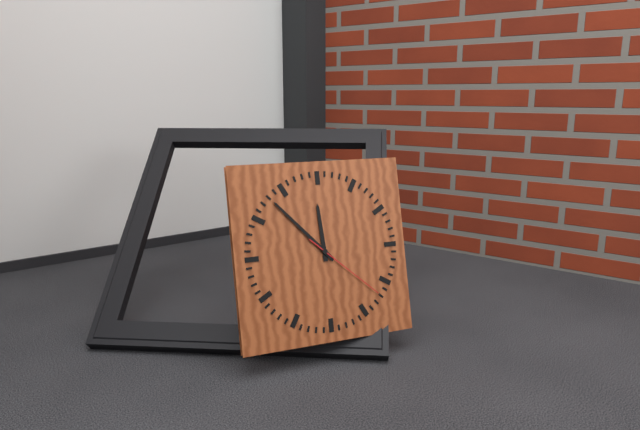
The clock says 11:53:22
